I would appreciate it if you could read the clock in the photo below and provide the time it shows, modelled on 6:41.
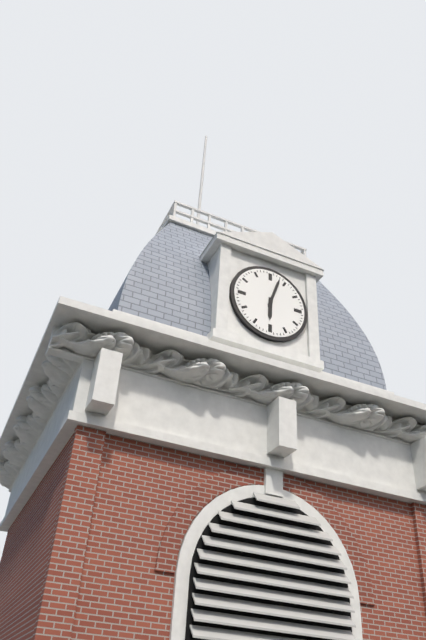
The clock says 6:03
